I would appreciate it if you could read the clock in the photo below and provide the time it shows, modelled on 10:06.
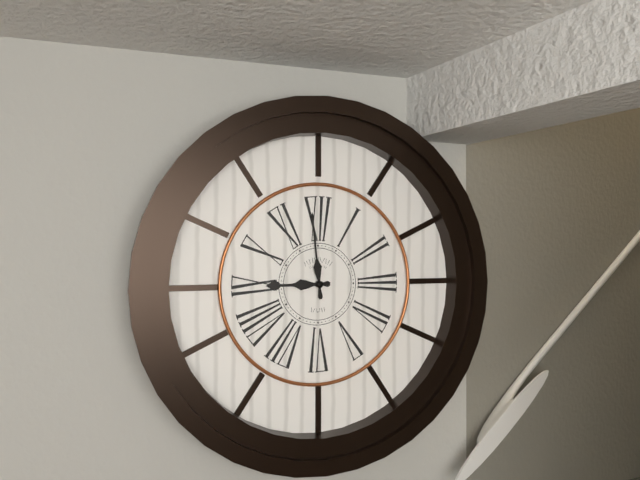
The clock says 8:59
